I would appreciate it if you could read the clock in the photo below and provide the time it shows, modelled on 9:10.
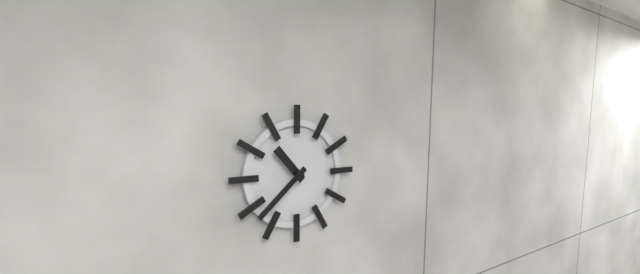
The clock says 10:38
